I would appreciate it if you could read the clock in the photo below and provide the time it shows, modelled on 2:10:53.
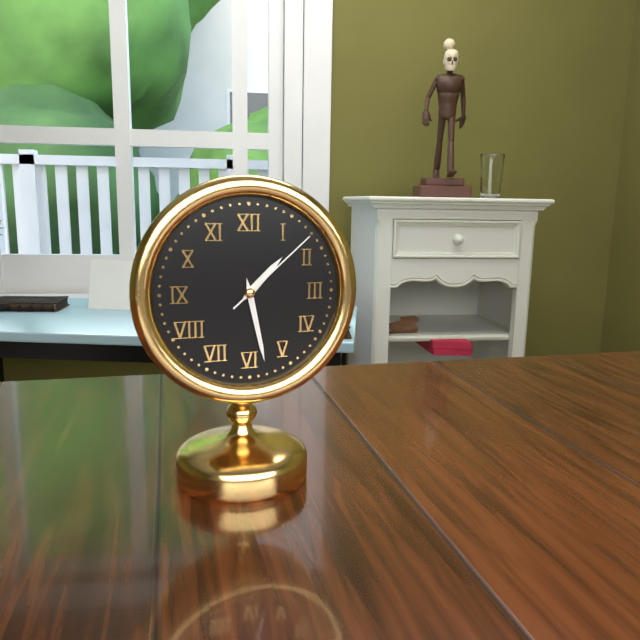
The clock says 1:28:08
